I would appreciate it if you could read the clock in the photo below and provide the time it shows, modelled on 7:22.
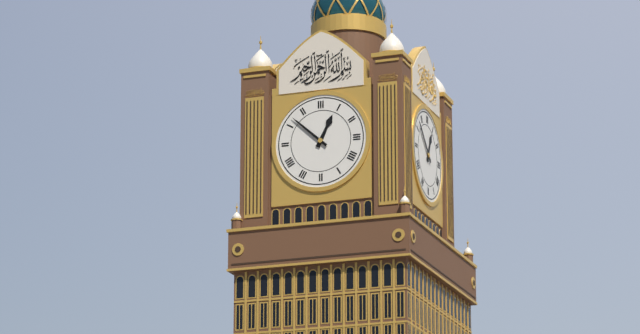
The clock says 12:52
